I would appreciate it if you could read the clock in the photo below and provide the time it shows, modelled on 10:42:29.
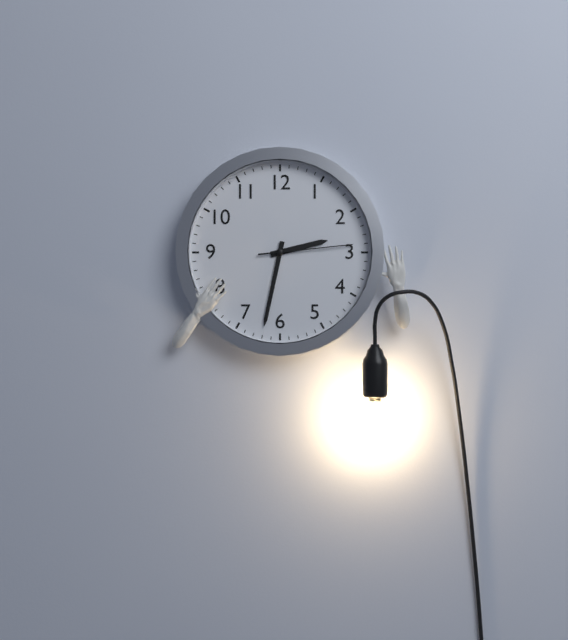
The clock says 2:32:14
